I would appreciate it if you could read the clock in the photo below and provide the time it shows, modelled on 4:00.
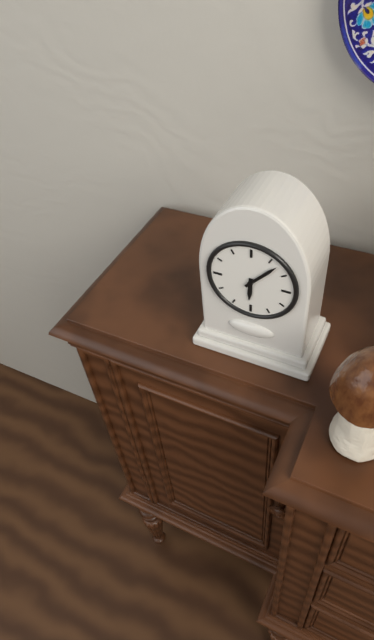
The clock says 6:07
